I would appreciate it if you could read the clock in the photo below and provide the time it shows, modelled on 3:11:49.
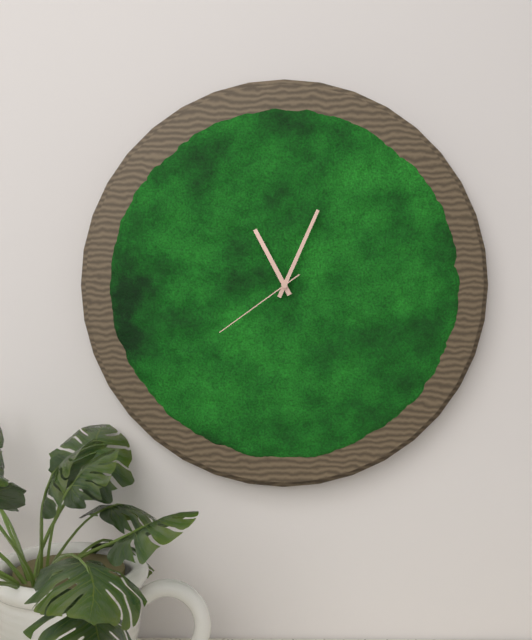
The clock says 11:04:39
